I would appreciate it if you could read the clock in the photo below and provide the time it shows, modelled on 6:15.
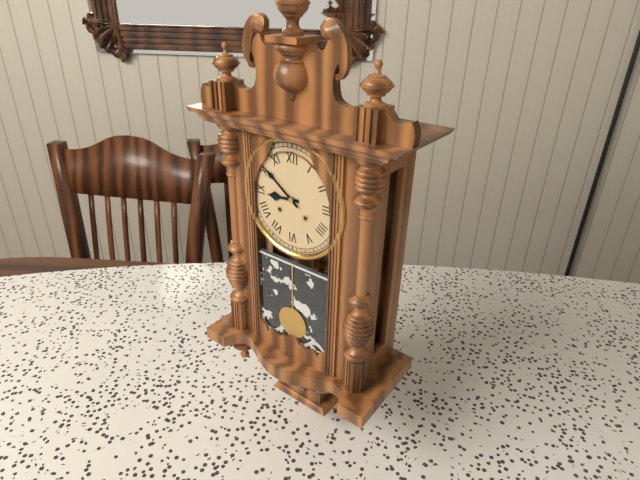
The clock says 8:51
